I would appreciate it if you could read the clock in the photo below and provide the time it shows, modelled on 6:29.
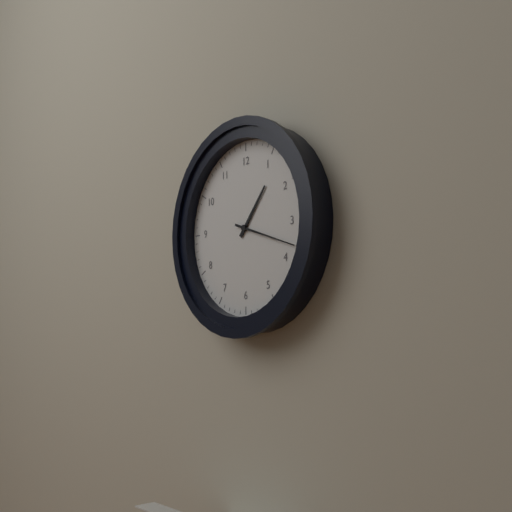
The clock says 1:18
